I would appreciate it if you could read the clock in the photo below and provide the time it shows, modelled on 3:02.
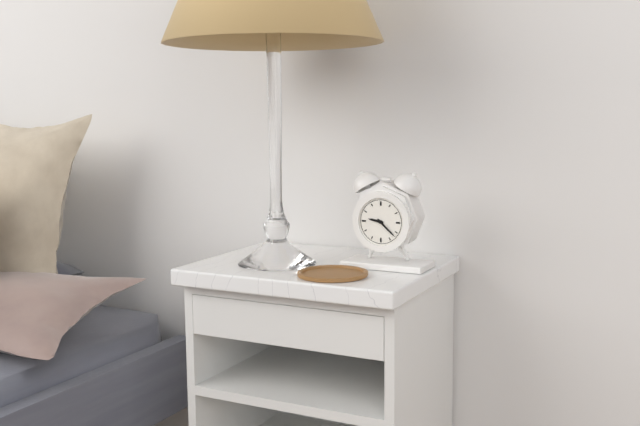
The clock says 9:22
